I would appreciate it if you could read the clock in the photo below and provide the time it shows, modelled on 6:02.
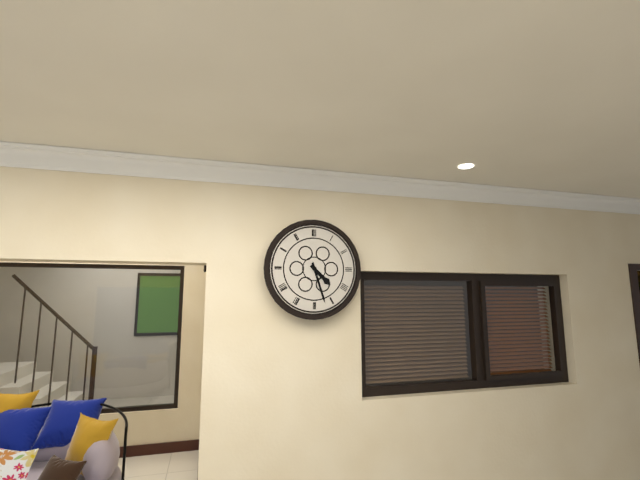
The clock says 4:27
